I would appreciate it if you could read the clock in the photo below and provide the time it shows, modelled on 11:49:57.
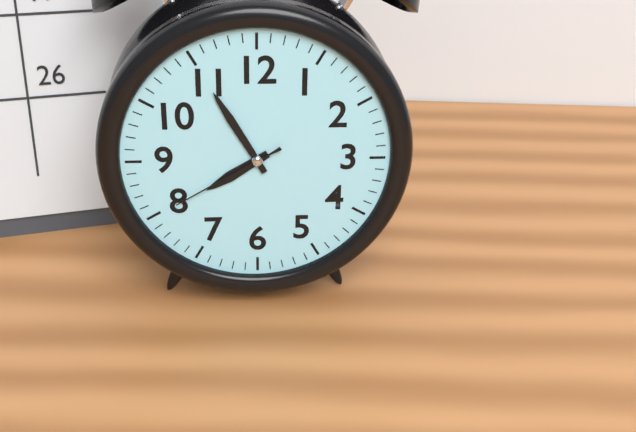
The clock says 7:55:40
